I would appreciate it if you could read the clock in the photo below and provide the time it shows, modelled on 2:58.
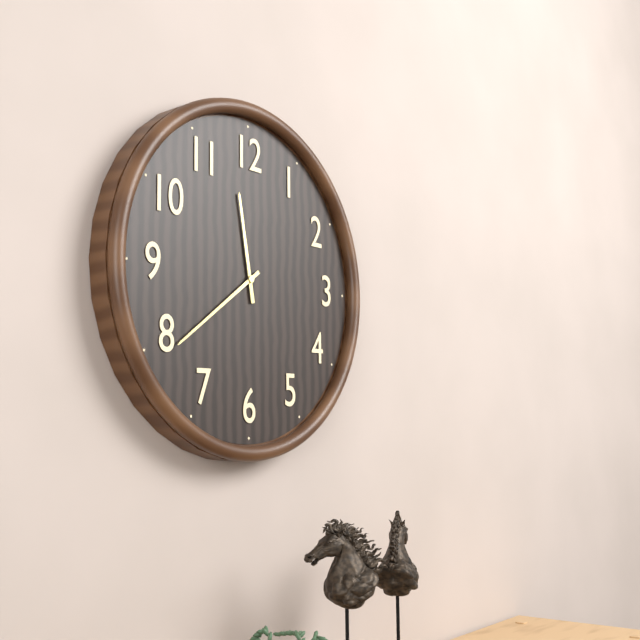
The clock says 11:39
